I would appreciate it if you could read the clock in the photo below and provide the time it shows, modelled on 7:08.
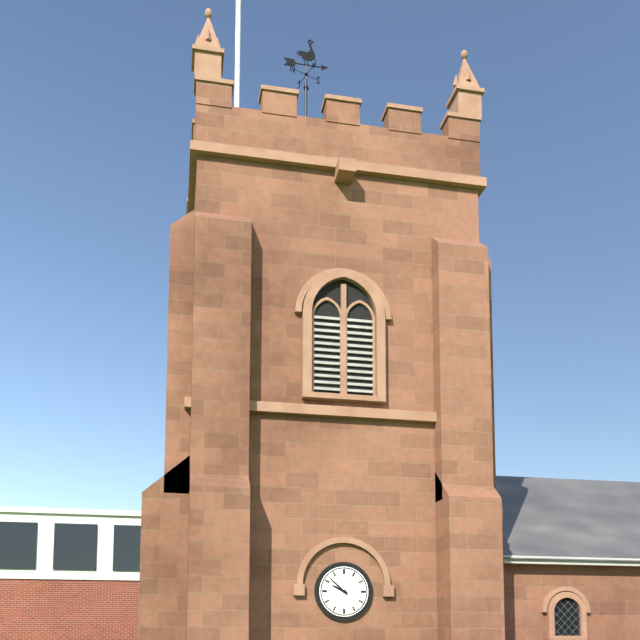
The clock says 9:52
